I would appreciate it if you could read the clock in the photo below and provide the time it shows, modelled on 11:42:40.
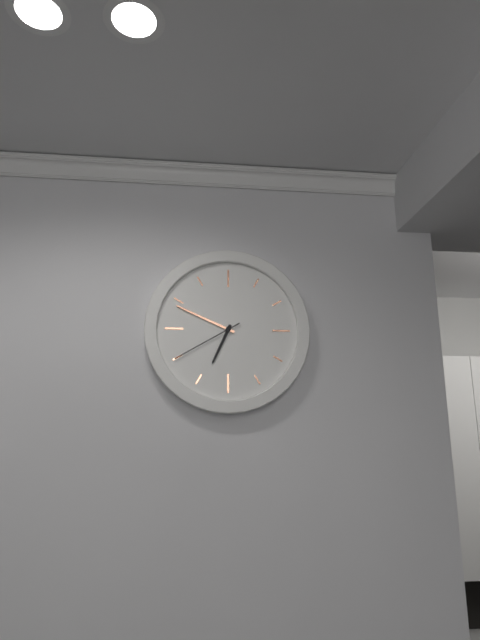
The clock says 6:49:40
